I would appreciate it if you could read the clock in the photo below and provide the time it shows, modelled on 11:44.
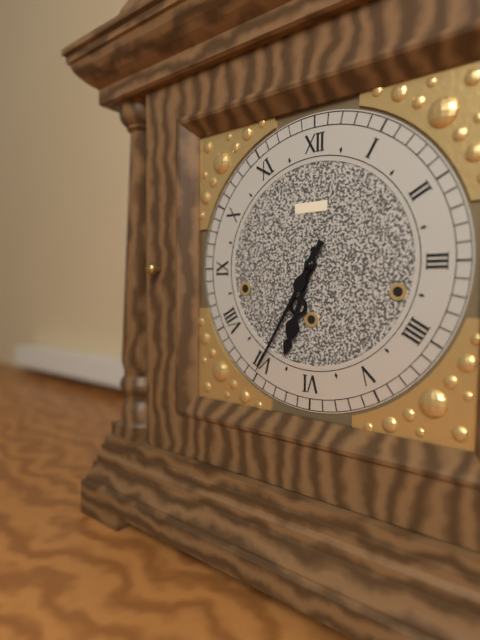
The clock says 6:35
